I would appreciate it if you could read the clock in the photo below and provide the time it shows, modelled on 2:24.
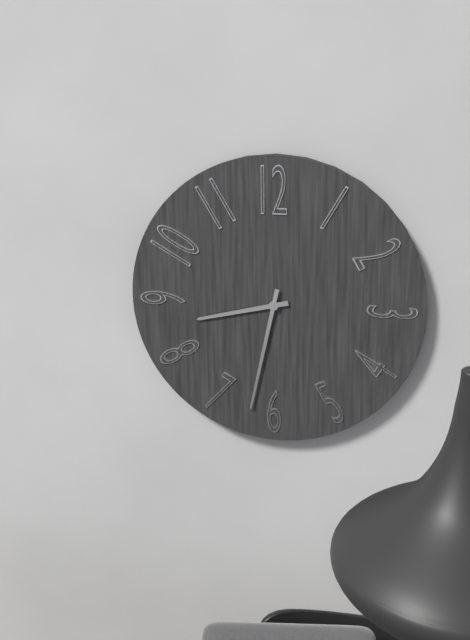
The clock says 8:32
